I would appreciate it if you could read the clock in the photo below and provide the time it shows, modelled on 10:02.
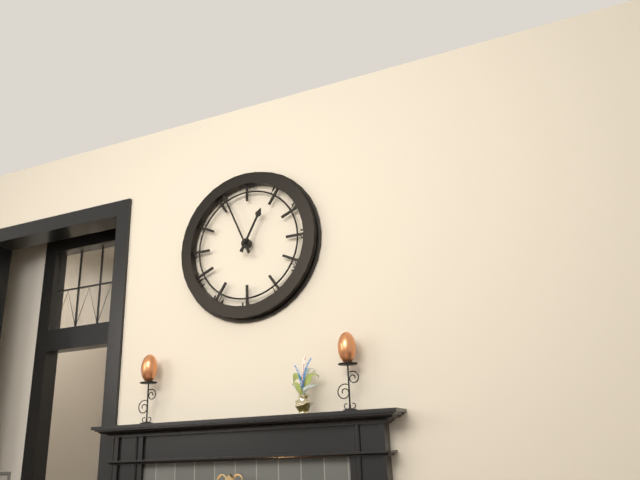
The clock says 12:56
